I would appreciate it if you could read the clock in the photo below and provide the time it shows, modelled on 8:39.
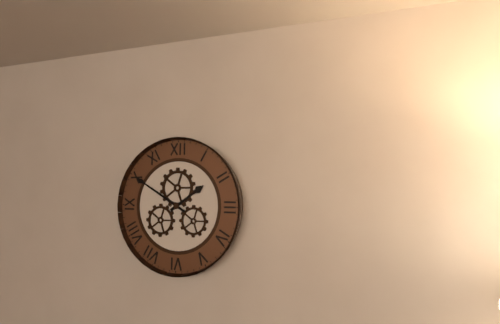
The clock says 1:50
